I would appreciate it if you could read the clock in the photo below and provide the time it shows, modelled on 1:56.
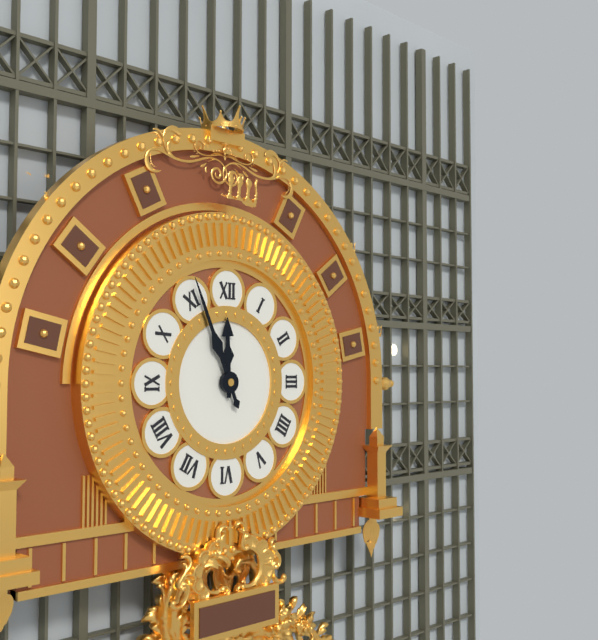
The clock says 11:56
